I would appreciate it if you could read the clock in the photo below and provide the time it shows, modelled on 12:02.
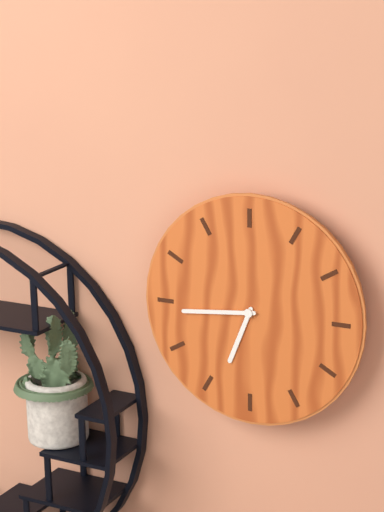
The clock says 6:44
